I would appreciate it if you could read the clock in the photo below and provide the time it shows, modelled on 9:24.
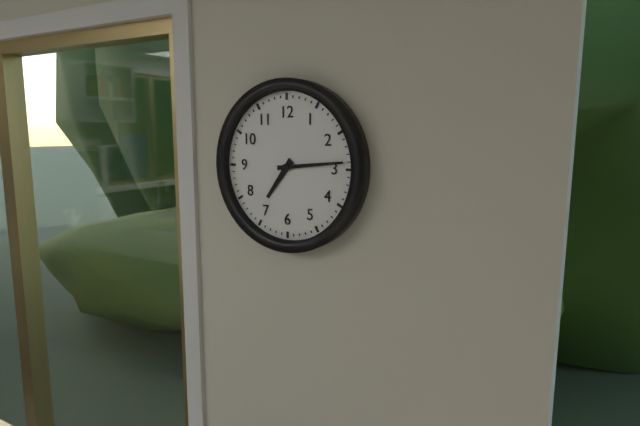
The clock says 7:14
